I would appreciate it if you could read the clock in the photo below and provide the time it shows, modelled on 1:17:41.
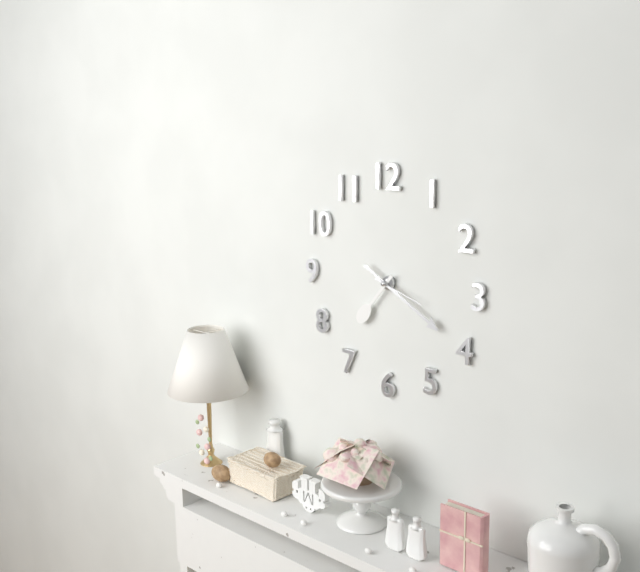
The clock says 7:20:18
